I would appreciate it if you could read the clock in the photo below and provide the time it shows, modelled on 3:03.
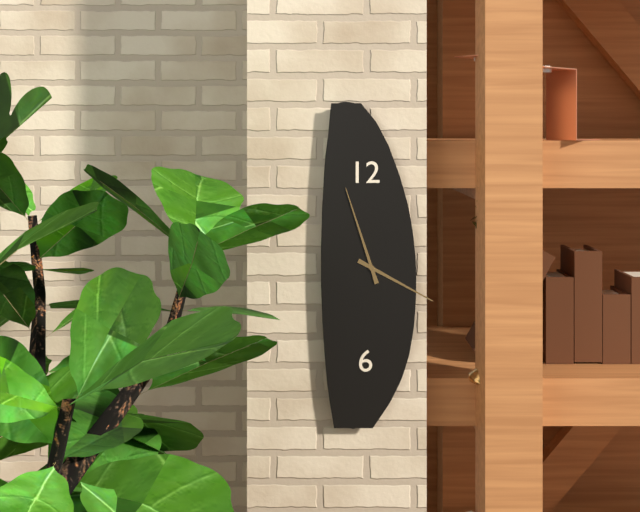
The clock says 3:57
